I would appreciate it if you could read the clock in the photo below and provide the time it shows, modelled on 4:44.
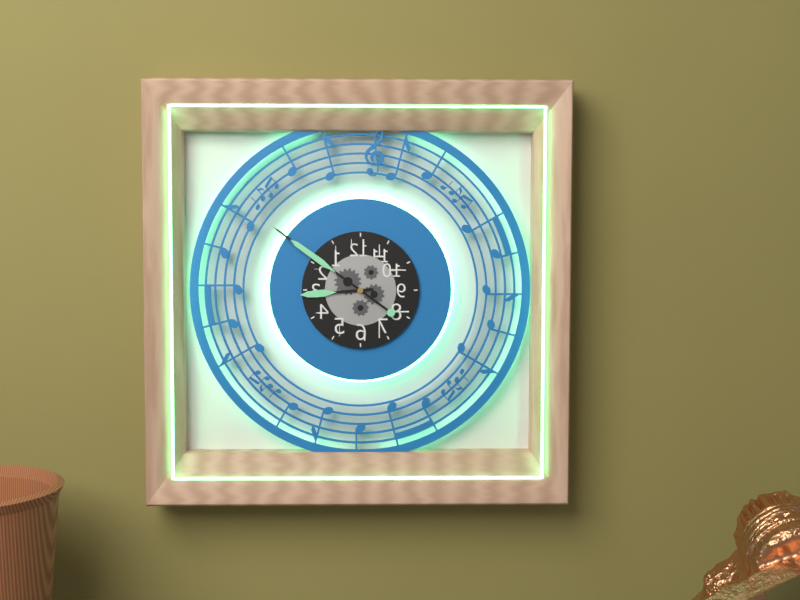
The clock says 8:51
